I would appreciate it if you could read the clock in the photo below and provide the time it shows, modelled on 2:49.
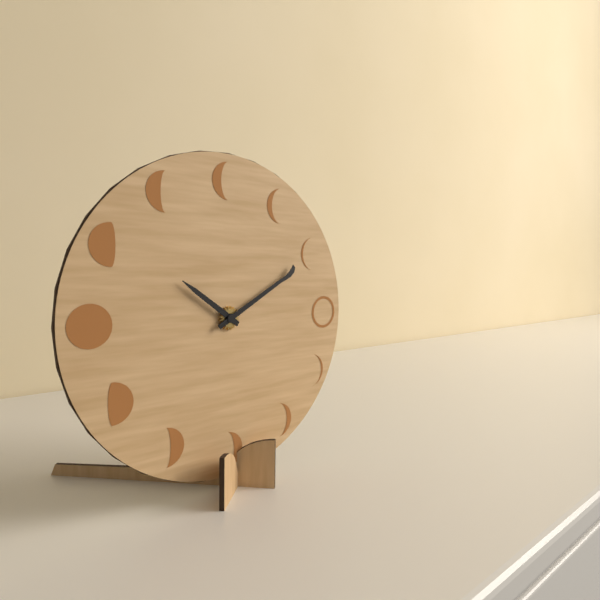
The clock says 10:10
